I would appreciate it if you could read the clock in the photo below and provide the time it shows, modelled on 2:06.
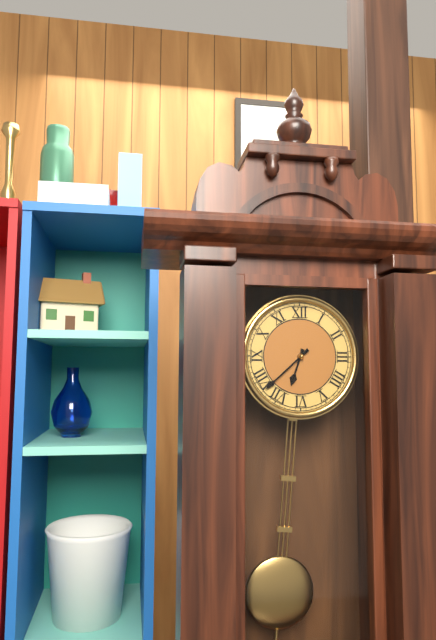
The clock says 6:38
